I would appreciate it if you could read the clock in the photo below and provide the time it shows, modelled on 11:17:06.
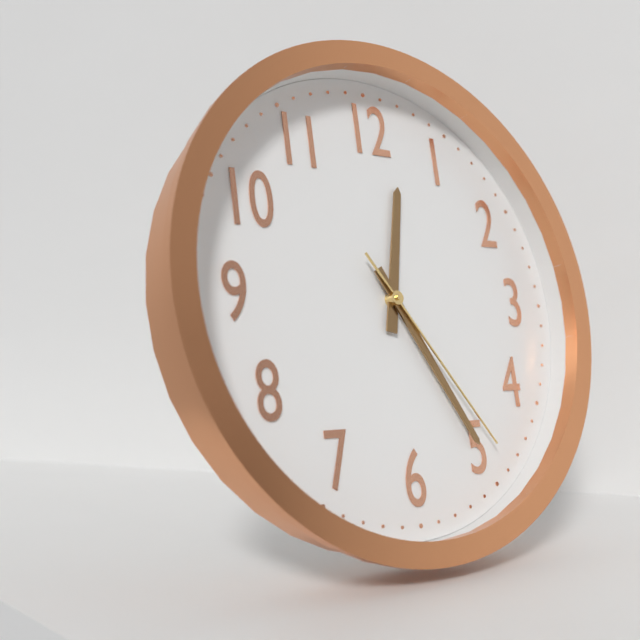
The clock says 12:25:24
